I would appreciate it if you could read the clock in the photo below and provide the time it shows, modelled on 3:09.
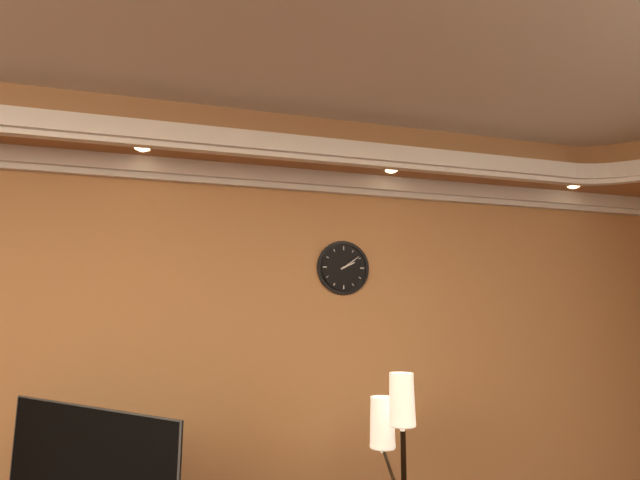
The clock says 2:09
